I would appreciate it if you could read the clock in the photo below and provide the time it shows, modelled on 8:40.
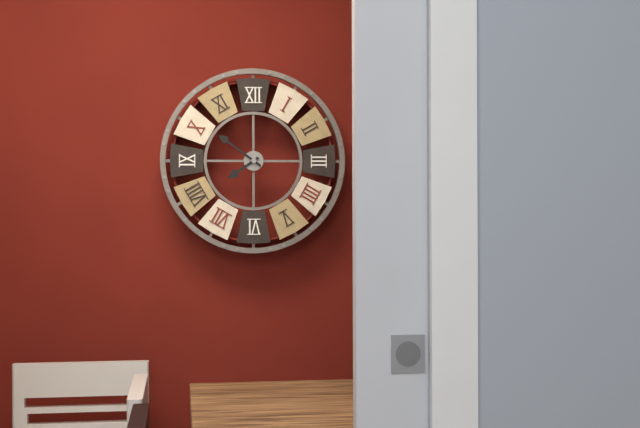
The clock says 7:51
